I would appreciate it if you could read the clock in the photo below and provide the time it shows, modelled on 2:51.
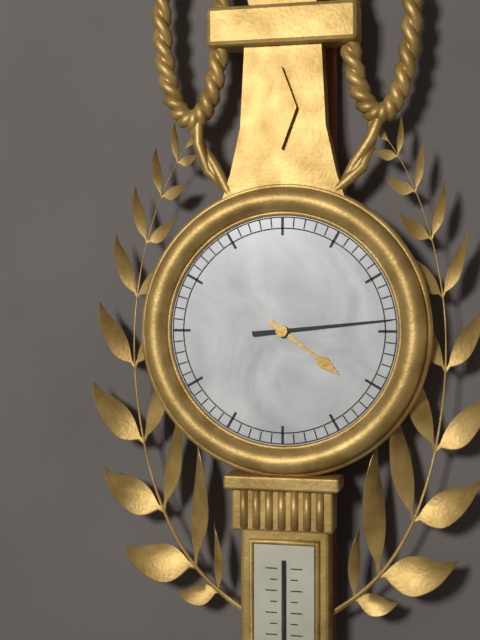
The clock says 4:14
